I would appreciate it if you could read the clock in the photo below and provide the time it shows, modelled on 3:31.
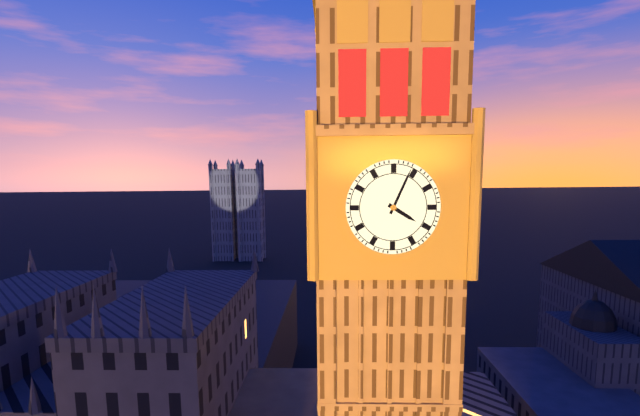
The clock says 4:04
